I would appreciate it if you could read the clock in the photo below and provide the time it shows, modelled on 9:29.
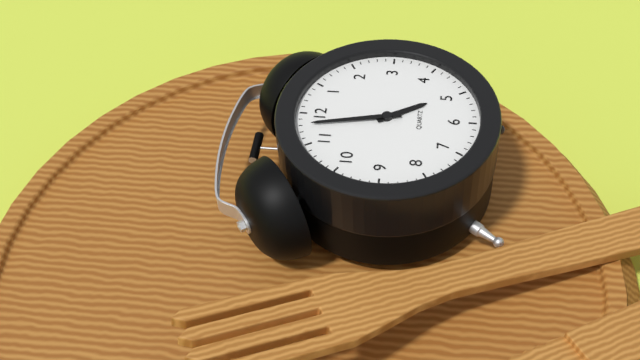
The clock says 4:58
